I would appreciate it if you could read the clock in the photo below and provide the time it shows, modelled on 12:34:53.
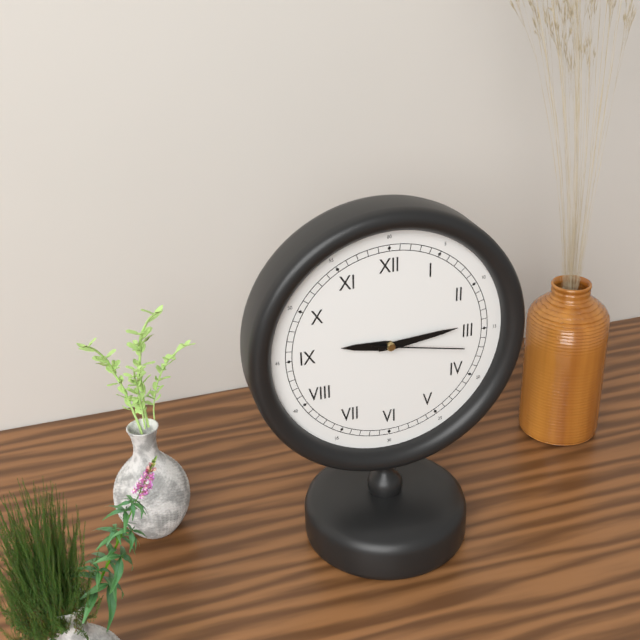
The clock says 9:14:17
